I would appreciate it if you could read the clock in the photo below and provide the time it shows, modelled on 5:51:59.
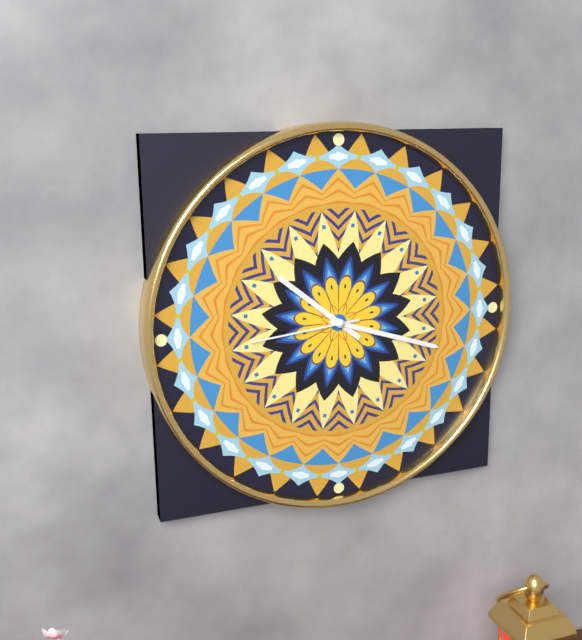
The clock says 10:18:44
